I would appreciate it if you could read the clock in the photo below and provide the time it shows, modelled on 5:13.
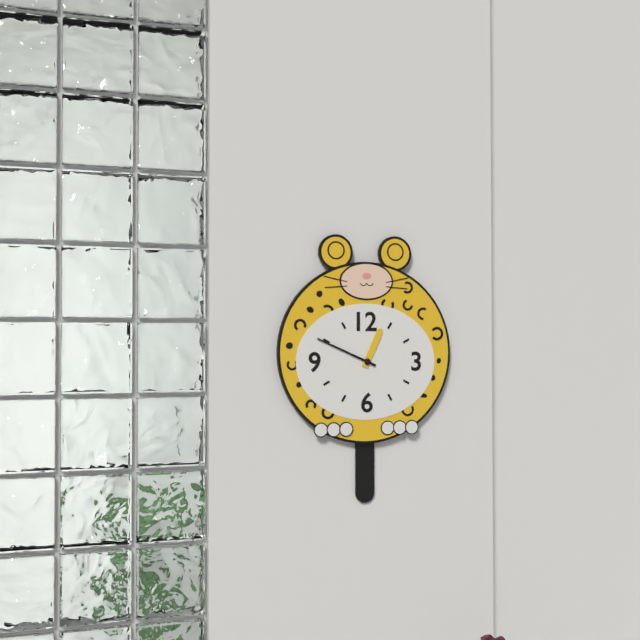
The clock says 12:49
